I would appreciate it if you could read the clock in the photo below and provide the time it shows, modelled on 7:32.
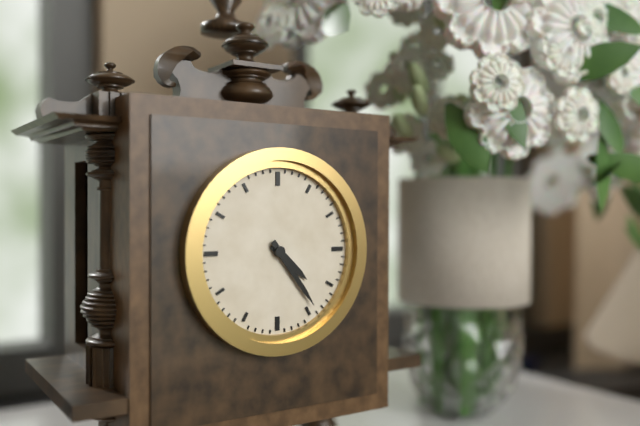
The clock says 4:24
